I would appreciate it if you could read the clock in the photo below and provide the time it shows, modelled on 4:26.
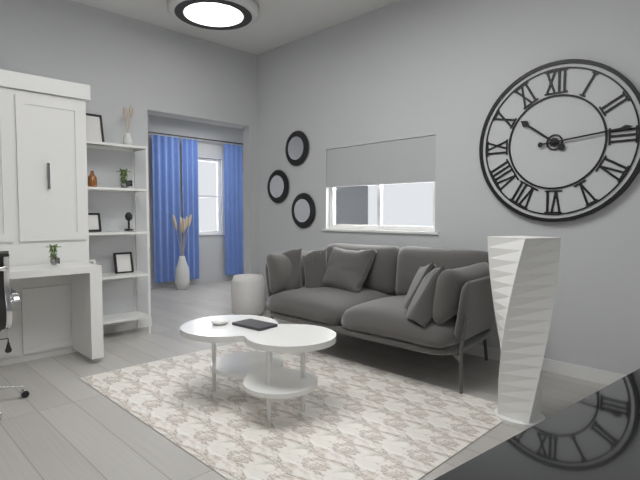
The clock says 10:14
